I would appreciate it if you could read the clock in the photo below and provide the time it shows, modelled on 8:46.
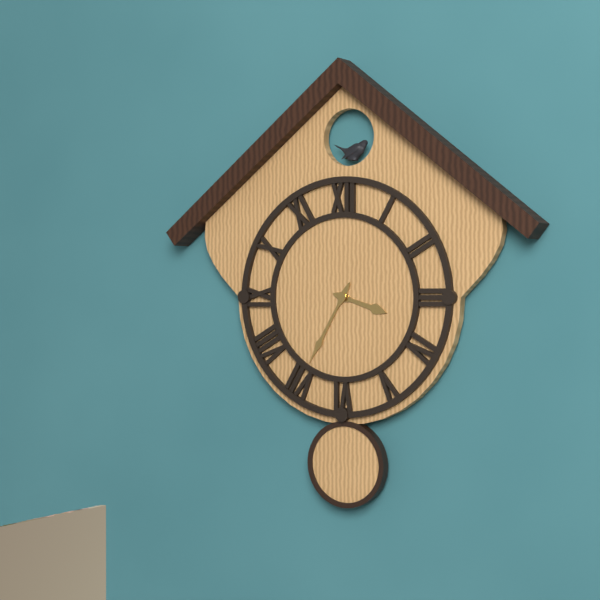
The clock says 3:35
